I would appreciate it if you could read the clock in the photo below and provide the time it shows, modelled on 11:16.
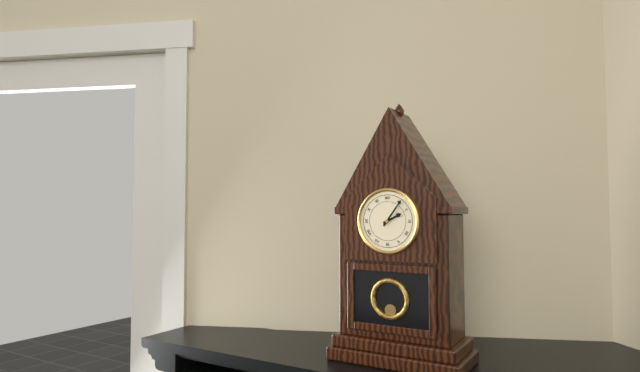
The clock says 2:06
